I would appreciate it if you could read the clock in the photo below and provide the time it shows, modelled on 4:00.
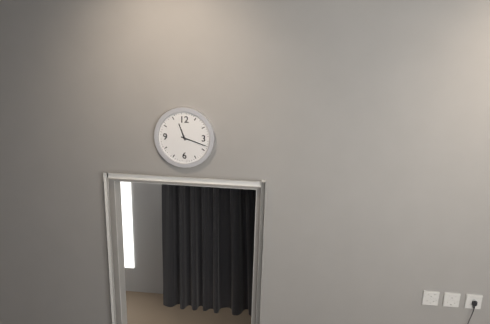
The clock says 11:18
